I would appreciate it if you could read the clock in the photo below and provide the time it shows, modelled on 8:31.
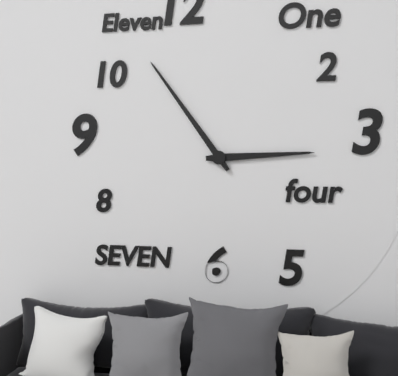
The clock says 2:54
